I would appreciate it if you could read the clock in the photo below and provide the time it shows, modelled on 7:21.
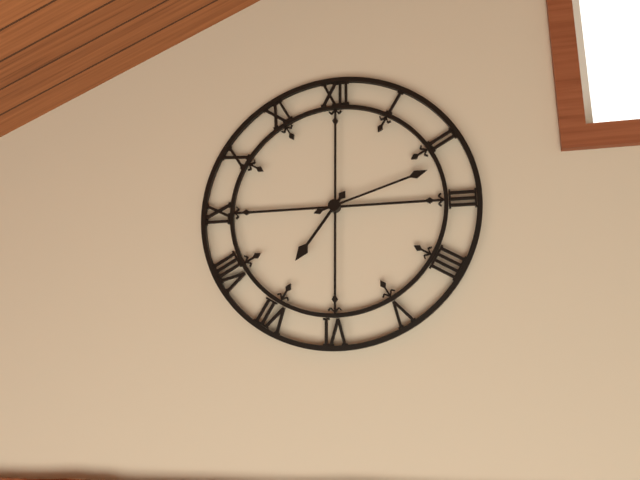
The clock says 7:12
